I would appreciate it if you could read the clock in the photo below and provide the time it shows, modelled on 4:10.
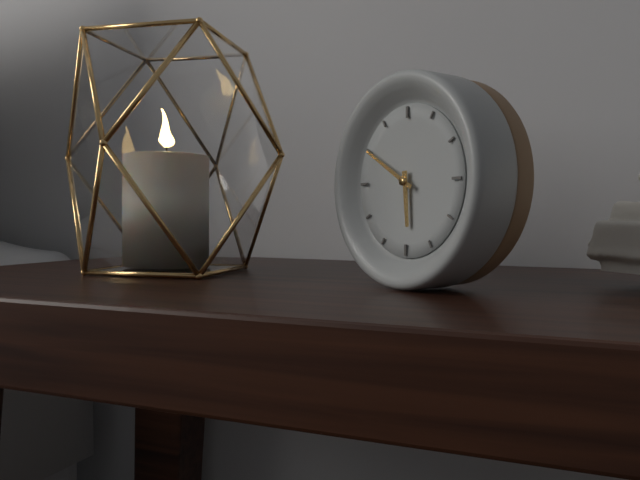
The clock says 5:50
